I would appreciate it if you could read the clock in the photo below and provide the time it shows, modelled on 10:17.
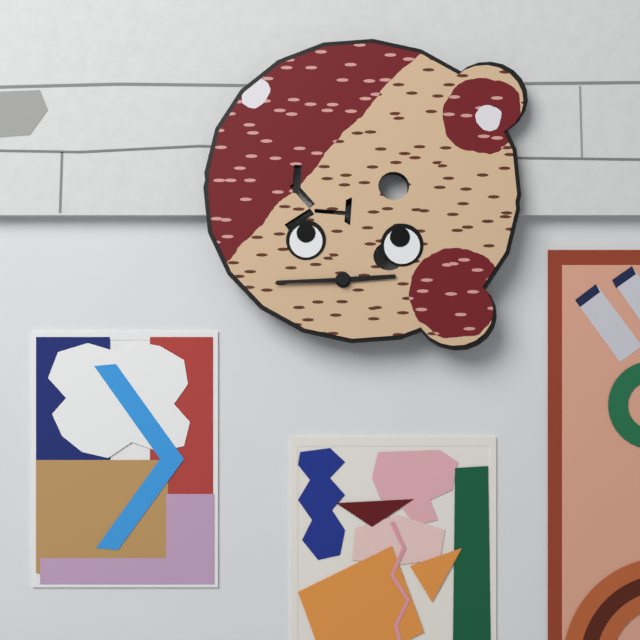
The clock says 2:44
